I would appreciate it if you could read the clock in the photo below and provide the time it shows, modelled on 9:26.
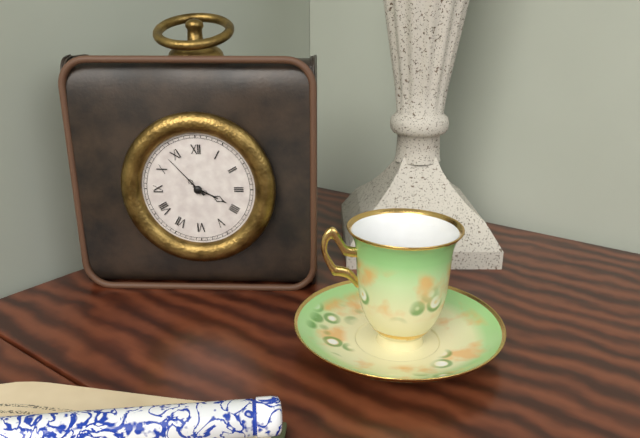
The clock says 3:53
